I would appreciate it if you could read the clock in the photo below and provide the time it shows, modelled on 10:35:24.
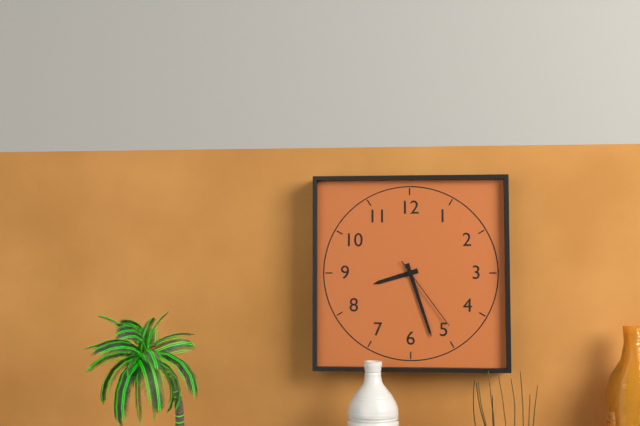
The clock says 8:27:24
